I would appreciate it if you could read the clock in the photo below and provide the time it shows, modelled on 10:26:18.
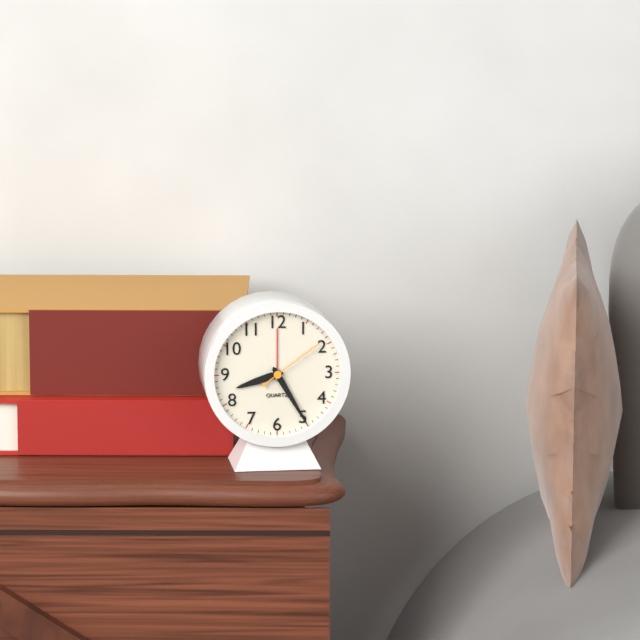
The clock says 8:25:09
